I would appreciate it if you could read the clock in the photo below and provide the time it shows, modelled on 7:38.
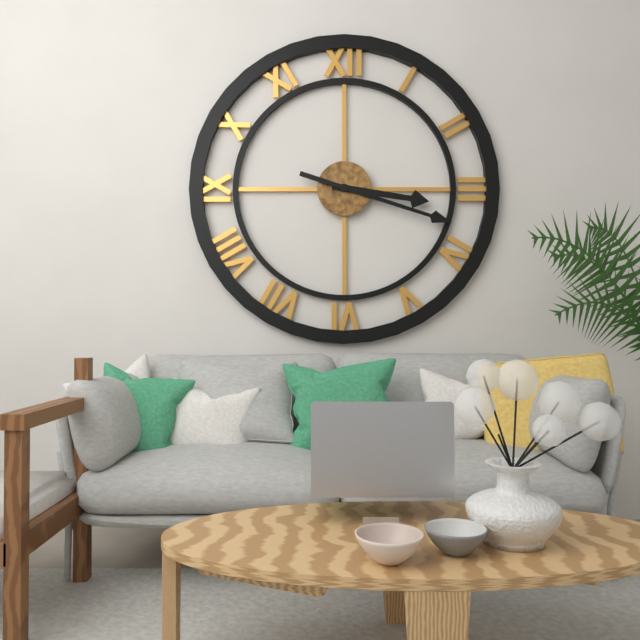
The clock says 3:18
